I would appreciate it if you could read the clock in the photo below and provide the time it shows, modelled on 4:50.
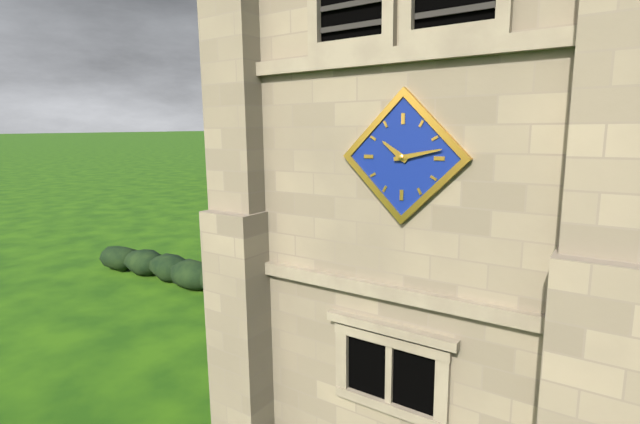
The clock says 10:13
